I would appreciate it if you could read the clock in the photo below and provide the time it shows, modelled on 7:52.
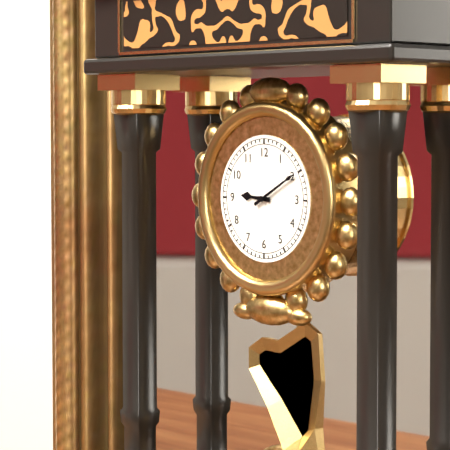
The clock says 9:10
